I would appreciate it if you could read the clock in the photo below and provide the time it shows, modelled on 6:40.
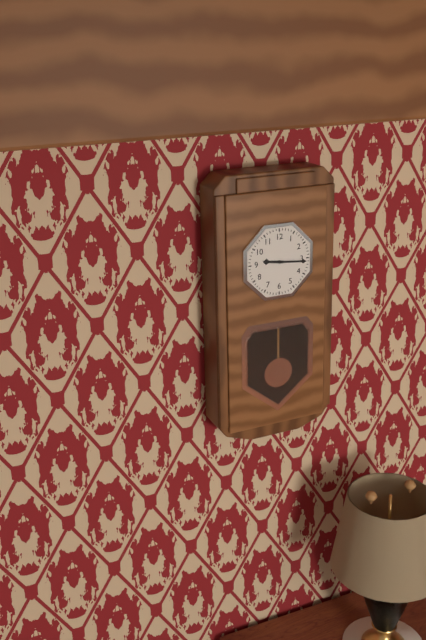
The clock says 9:16
